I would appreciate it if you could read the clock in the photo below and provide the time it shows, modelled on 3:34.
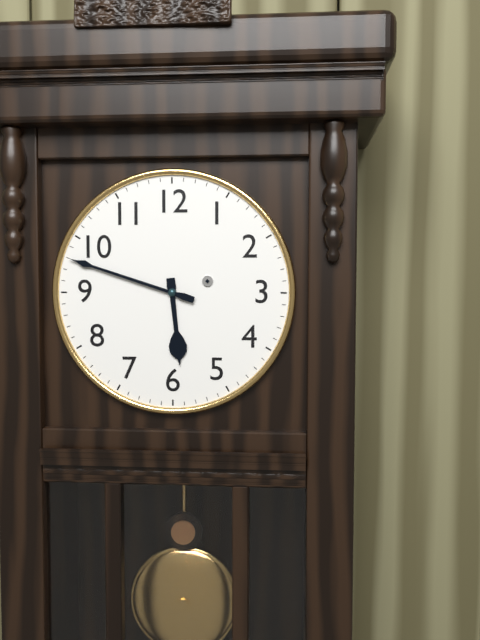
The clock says 5:48
